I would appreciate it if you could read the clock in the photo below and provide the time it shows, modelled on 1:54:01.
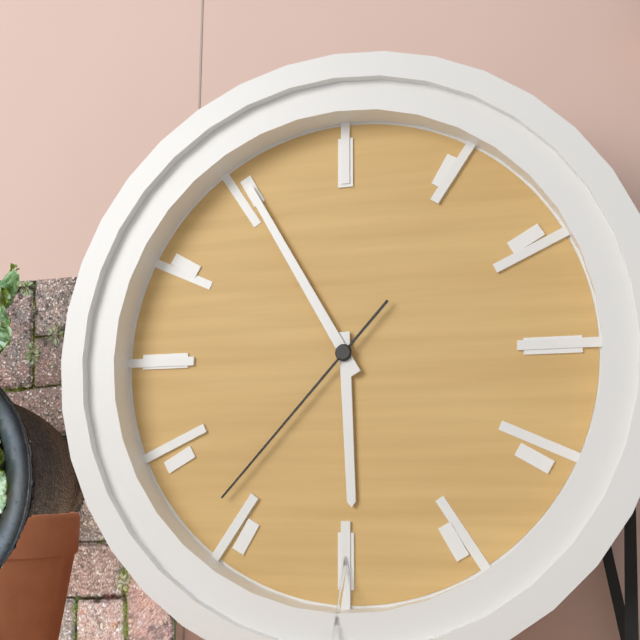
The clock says 5:55:37
